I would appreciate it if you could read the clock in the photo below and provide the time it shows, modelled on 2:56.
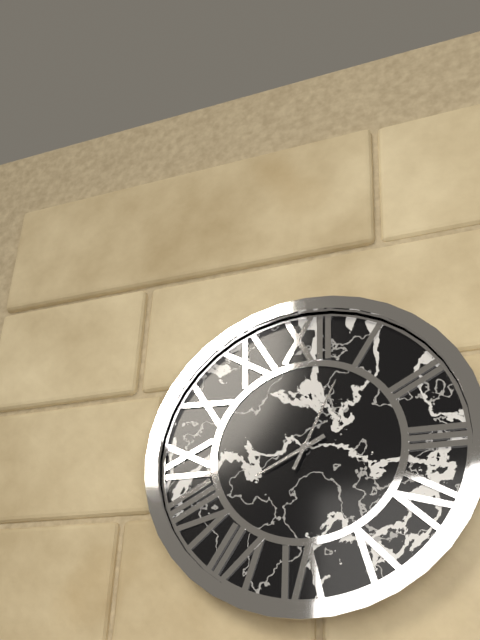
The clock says 8:04
